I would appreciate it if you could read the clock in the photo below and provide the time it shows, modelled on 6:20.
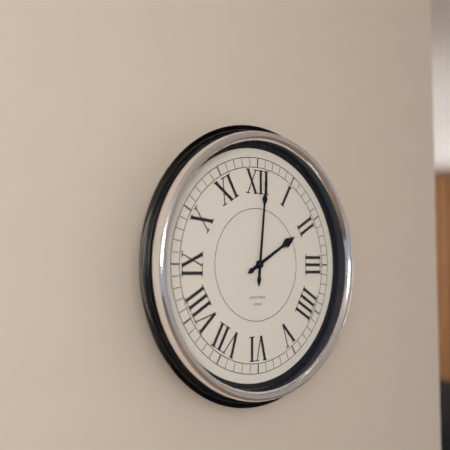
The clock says 2:01
